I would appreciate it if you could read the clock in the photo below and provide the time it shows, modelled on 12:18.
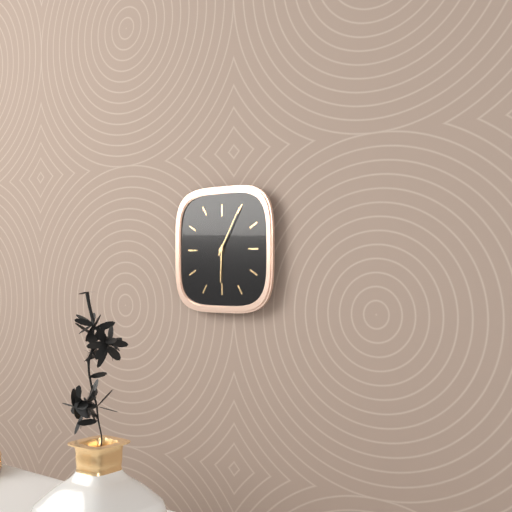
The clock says 6:05
